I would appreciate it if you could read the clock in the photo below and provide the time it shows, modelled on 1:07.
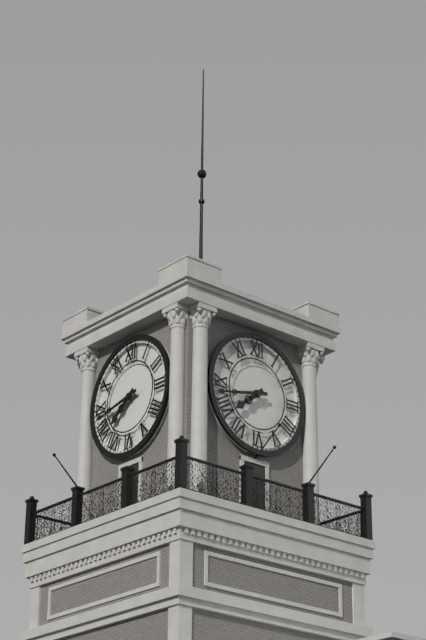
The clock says 7:43
